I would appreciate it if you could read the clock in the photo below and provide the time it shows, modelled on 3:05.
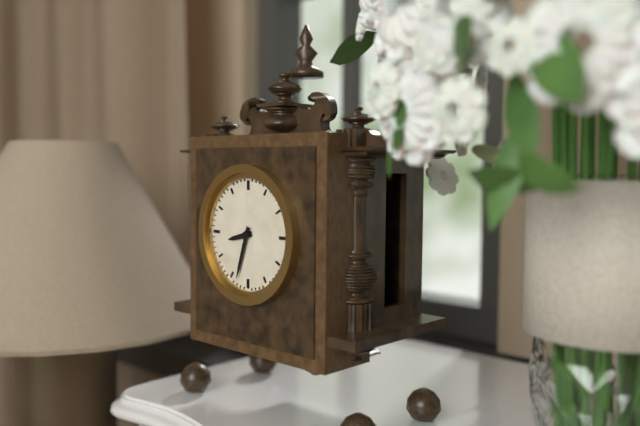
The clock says 8:33
